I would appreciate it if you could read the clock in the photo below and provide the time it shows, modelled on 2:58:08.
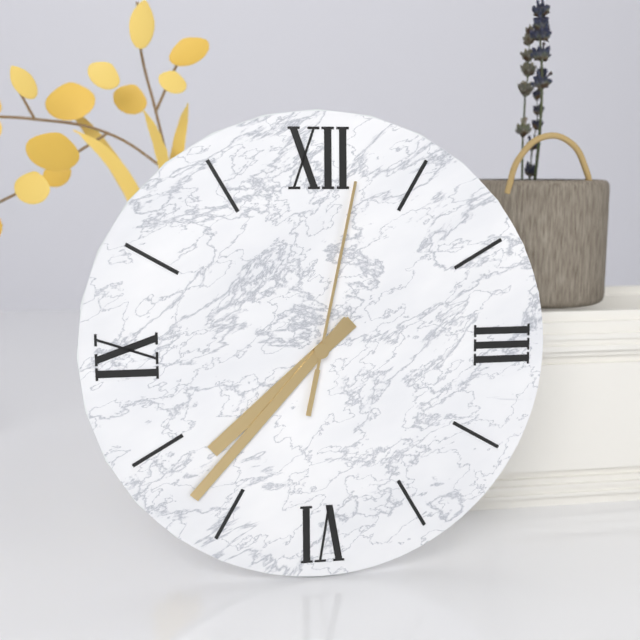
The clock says 7:37:02
